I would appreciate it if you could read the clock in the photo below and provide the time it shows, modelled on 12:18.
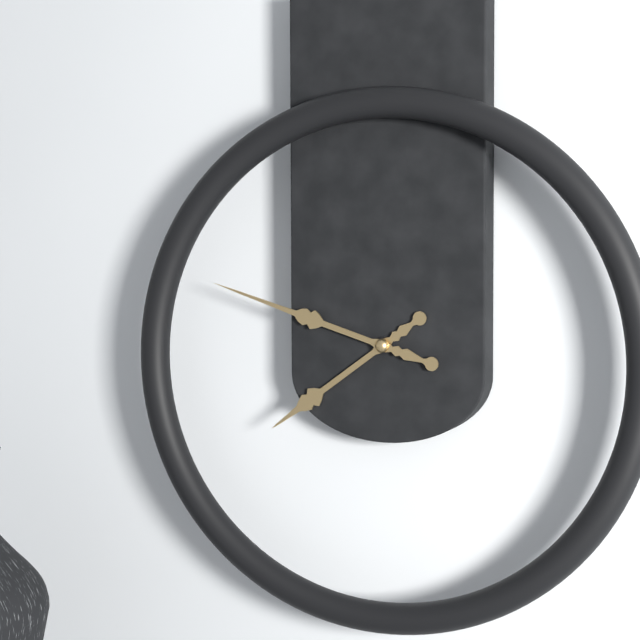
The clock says 7:48
